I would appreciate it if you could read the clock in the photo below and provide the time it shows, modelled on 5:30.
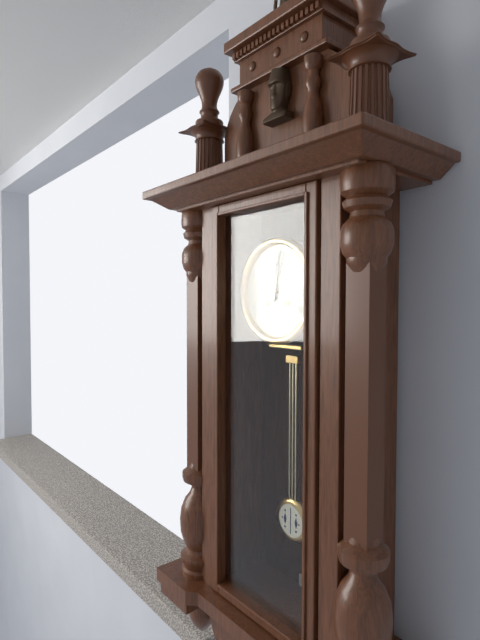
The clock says 12:02
